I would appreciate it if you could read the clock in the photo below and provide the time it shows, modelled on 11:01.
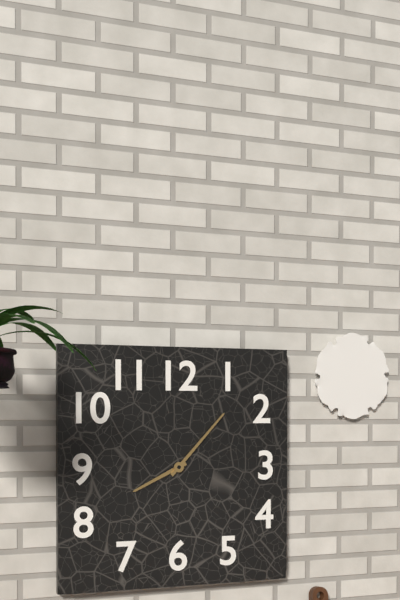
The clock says 8:07
